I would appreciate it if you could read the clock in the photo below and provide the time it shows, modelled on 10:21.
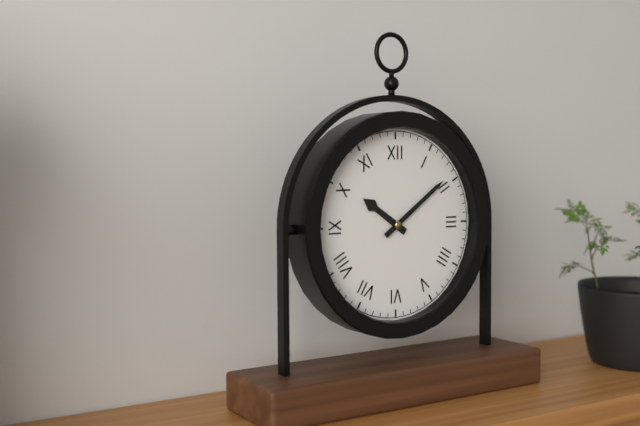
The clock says 10:09
